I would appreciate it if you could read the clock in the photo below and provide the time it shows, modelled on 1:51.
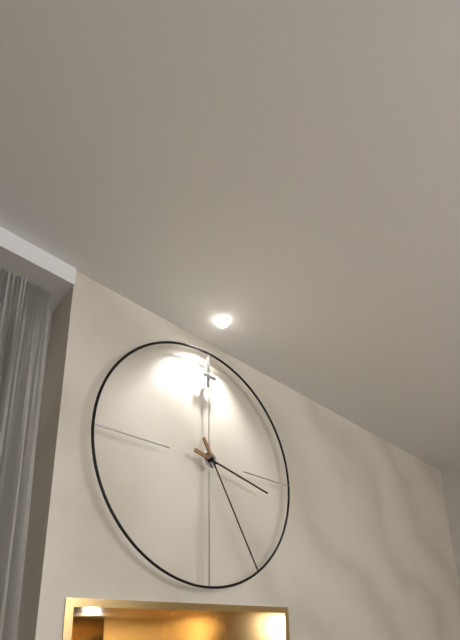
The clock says 3:25
